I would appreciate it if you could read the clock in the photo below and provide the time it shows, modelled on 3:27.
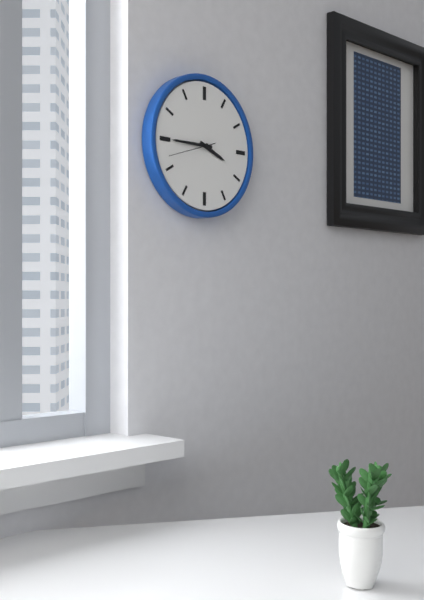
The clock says 3:45
